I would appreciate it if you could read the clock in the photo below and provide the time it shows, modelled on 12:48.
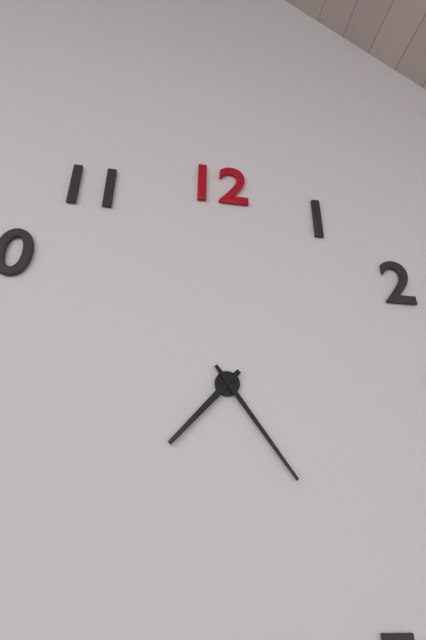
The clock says 7:24
